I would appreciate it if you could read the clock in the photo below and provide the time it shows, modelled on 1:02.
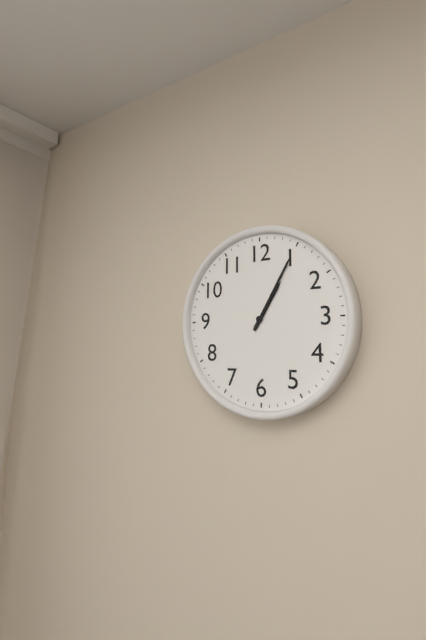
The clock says 1:05
